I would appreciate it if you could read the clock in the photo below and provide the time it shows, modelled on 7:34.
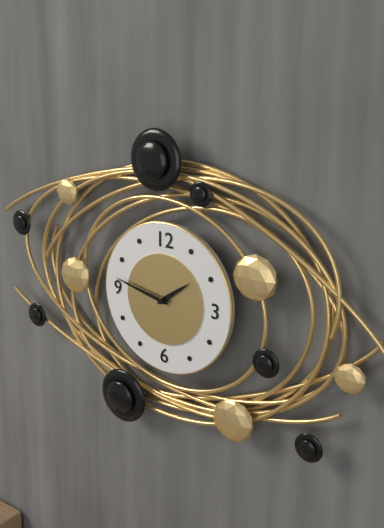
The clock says 1:47
